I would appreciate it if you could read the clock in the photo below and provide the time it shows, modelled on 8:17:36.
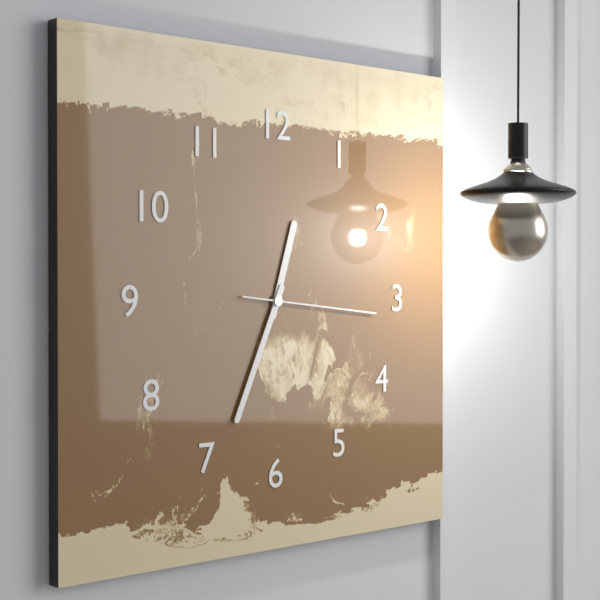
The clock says 12:34:16
